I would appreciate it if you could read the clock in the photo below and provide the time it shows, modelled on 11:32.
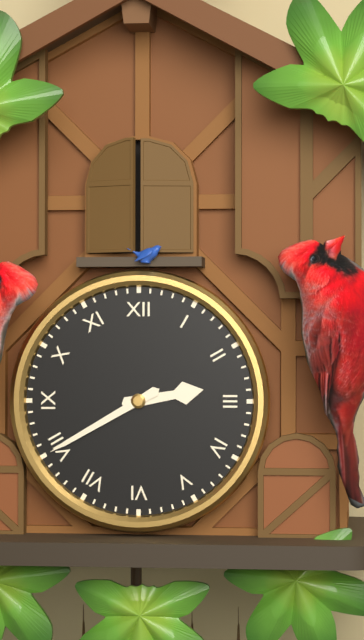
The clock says 2:40
